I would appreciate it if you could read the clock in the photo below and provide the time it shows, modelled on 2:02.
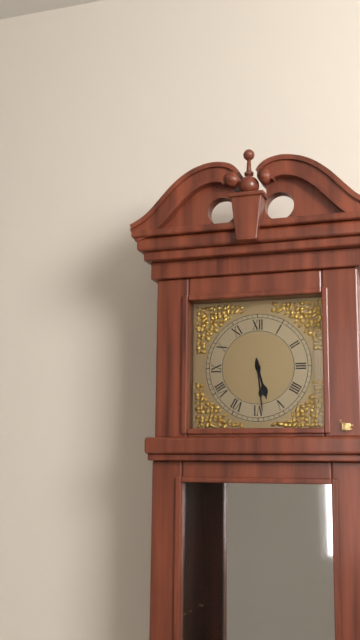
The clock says 5:29
